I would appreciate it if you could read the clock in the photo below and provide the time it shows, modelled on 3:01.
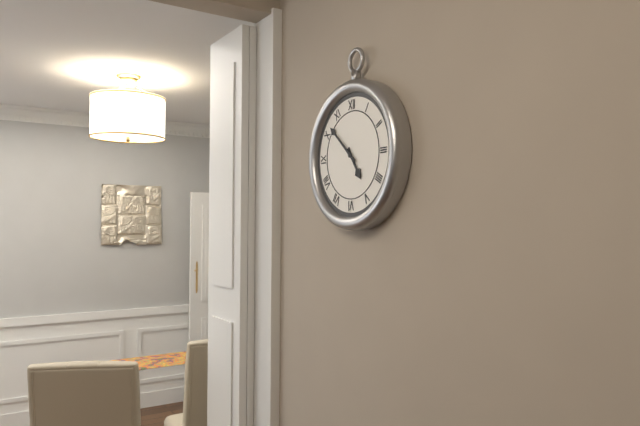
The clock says 4:52
